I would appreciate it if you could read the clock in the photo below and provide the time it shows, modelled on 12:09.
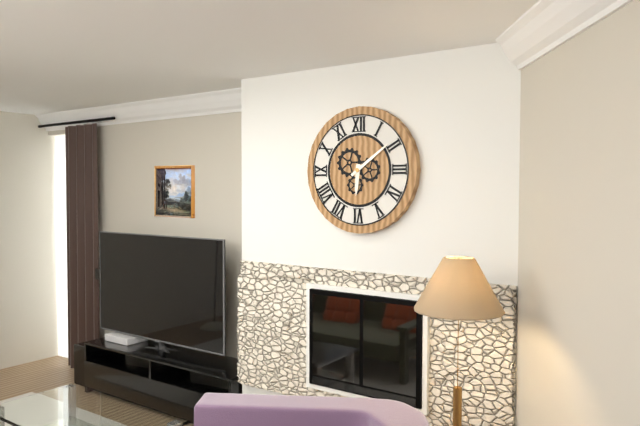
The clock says 6:09
